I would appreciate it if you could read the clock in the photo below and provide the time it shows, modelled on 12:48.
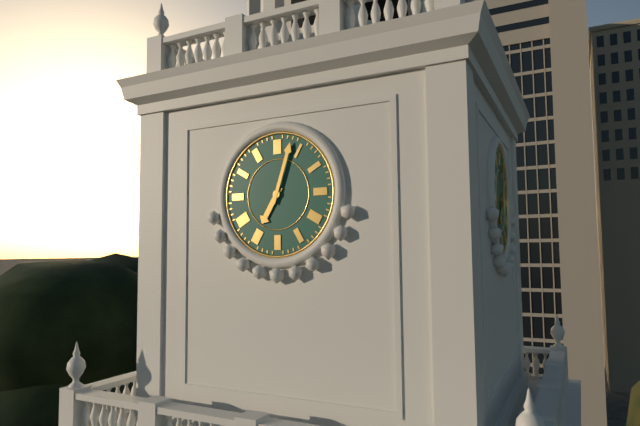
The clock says 7:03
